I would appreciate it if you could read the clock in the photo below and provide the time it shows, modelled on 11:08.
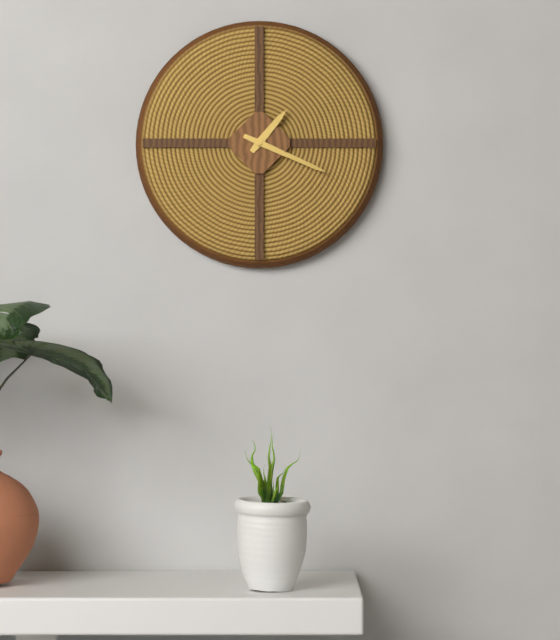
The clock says 1:19
